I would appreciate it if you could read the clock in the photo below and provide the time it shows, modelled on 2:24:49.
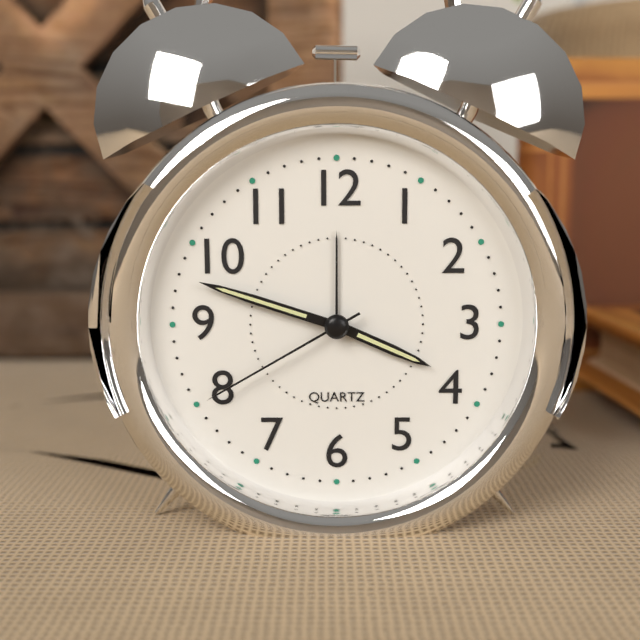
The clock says 3:48:40
